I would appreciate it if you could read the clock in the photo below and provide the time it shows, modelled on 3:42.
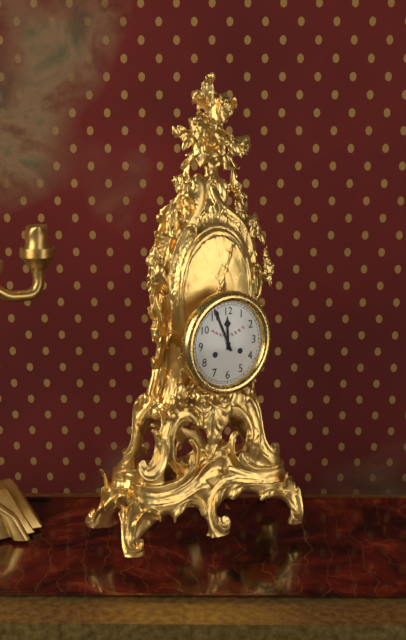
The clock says 11:56
